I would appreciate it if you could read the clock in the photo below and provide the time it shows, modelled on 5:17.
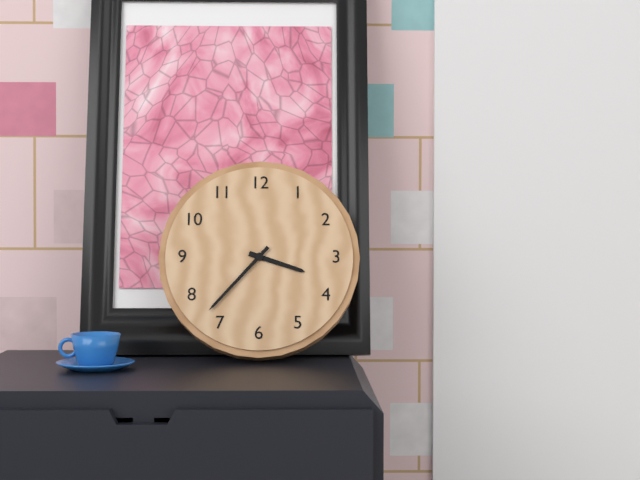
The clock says 3:37
